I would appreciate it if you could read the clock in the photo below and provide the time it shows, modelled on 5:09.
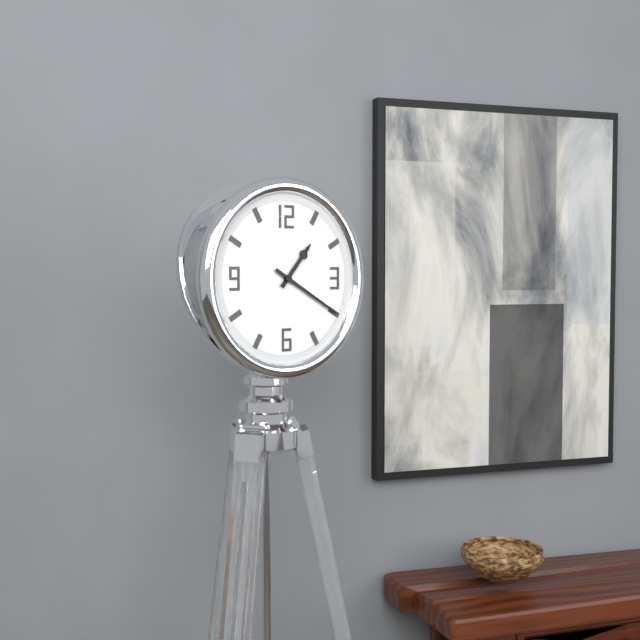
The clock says 1:20
